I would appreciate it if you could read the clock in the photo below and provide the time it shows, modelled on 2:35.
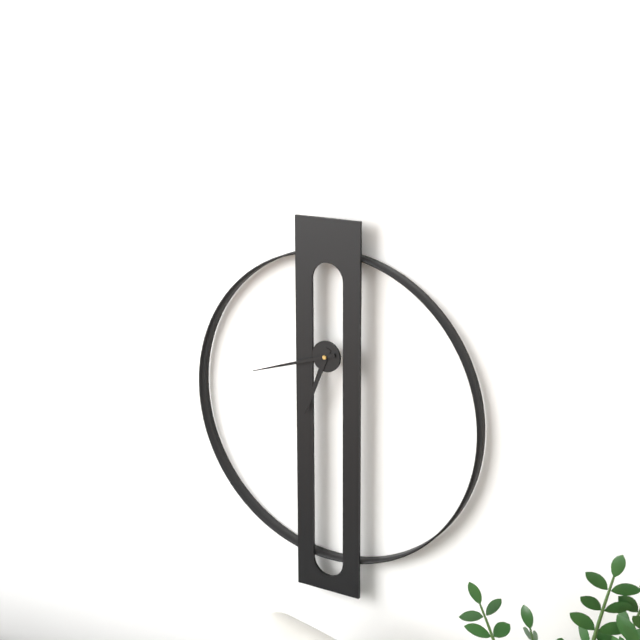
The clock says 6:42
